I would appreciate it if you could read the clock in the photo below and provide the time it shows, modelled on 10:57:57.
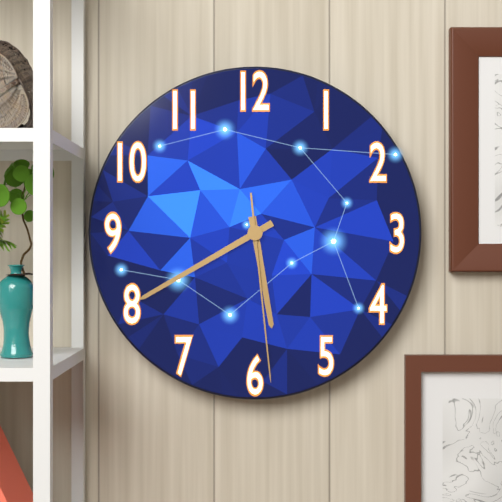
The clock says 5:40:29
